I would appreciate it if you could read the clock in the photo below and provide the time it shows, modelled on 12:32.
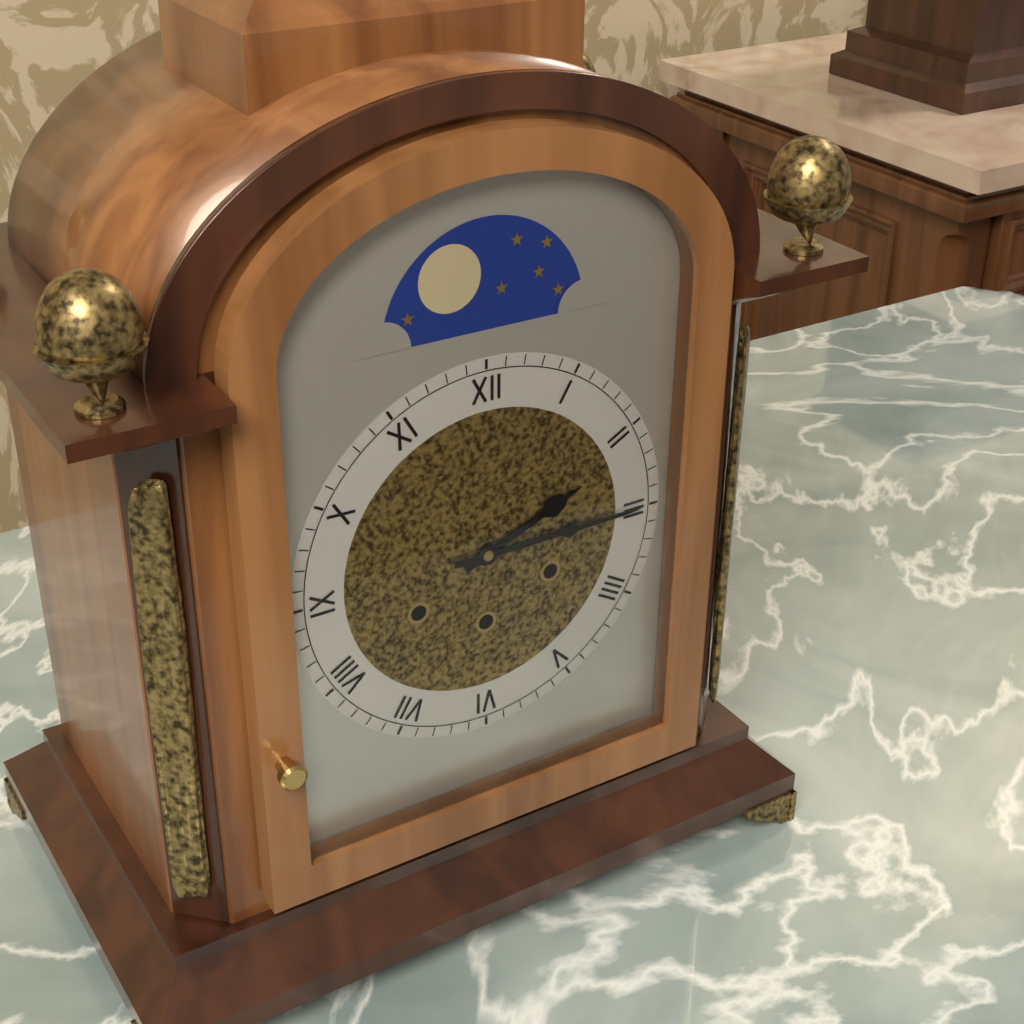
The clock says 2:15
